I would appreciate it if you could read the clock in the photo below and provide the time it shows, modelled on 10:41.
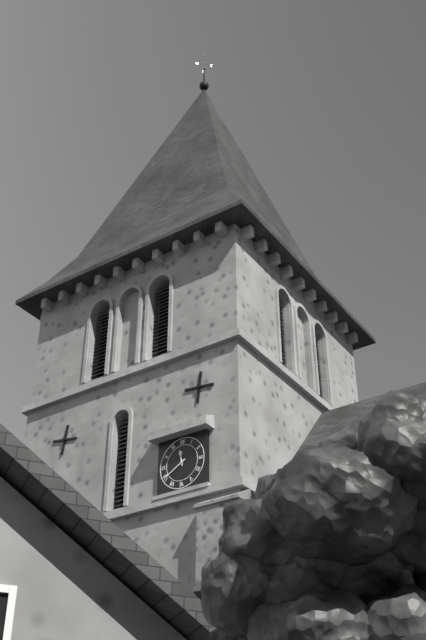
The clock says 11:40
